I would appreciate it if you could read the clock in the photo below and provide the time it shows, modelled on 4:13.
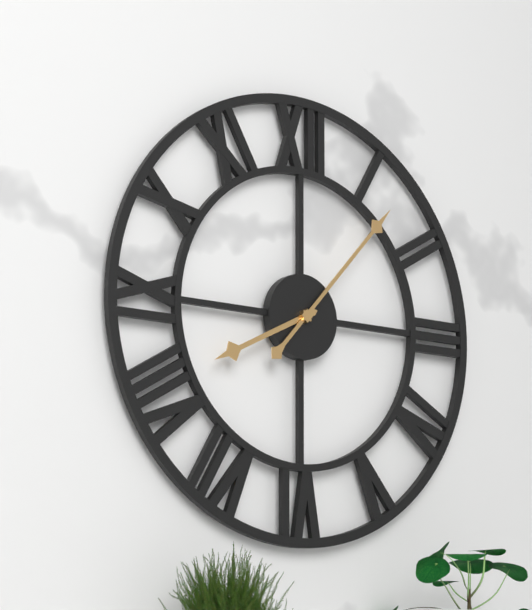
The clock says 8:07
